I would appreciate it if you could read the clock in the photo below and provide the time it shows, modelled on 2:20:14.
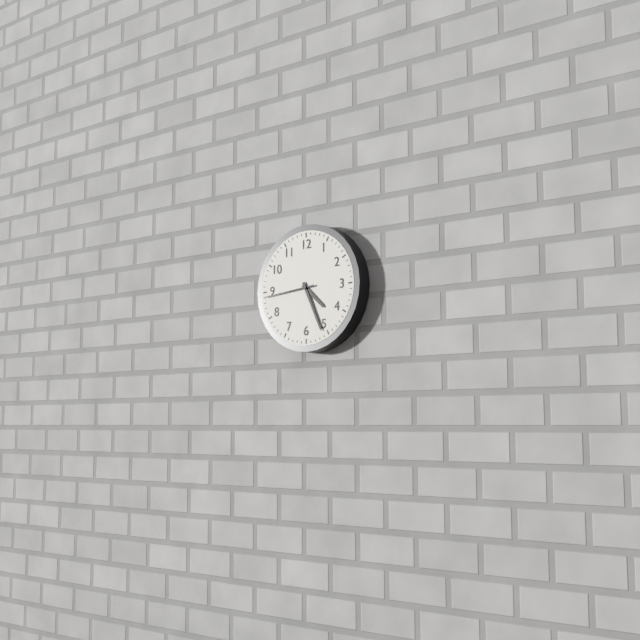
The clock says 4:26:44
